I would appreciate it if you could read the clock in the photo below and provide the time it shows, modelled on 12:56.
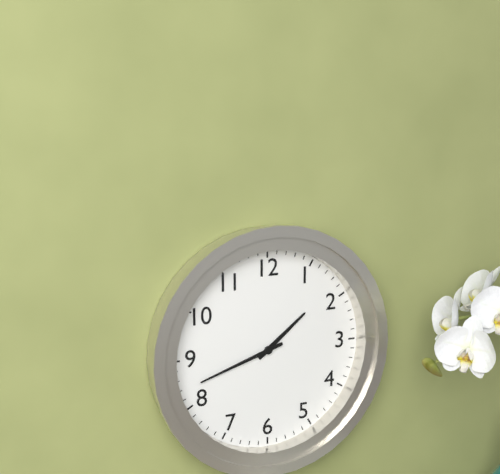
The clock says 1:42
